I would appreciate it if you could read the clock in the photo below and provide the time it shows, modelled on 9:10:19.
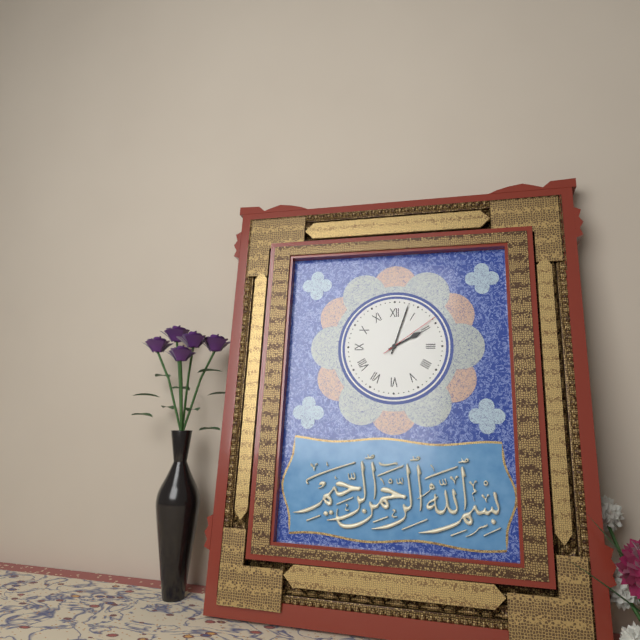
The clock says 2:03:09
